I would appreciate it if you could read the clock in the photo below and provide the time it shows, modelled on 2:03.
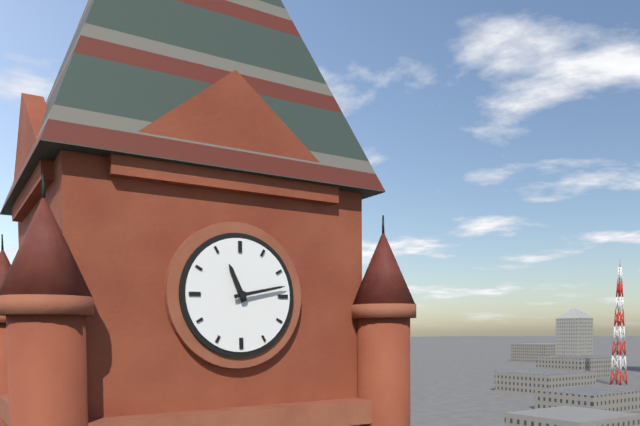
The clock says 11:13
